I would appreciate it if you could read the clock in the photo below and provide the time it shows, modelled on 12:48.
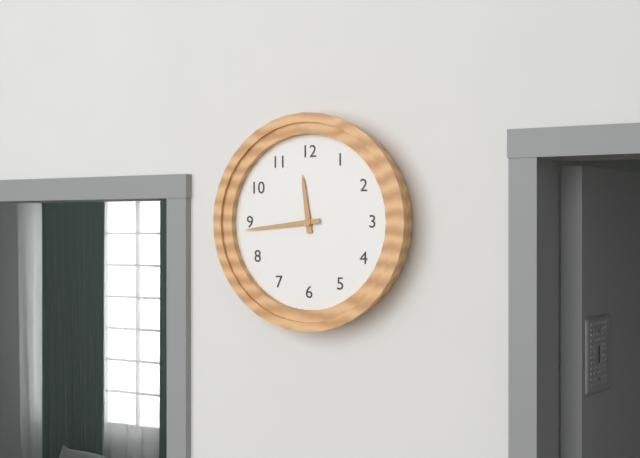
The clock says 11:44
